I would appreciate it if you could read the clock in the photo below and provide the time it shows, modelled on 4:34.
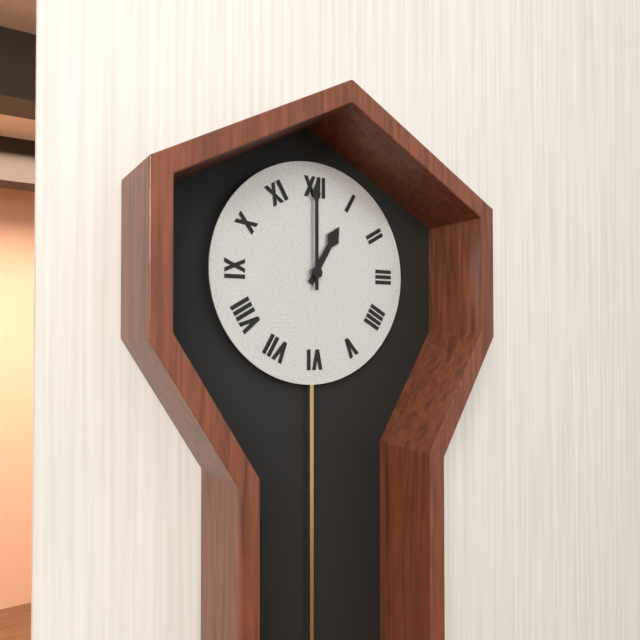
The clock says 1:00
